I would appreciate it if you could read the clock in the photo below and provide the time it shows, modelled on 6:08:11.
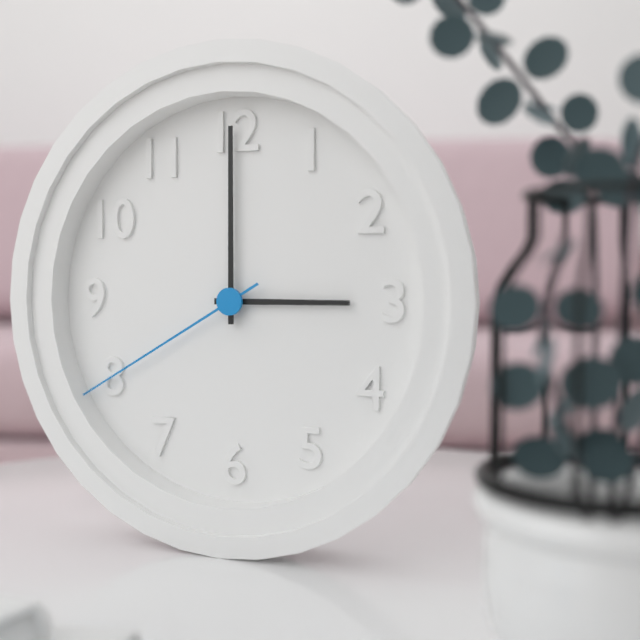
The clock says 3:00:40
